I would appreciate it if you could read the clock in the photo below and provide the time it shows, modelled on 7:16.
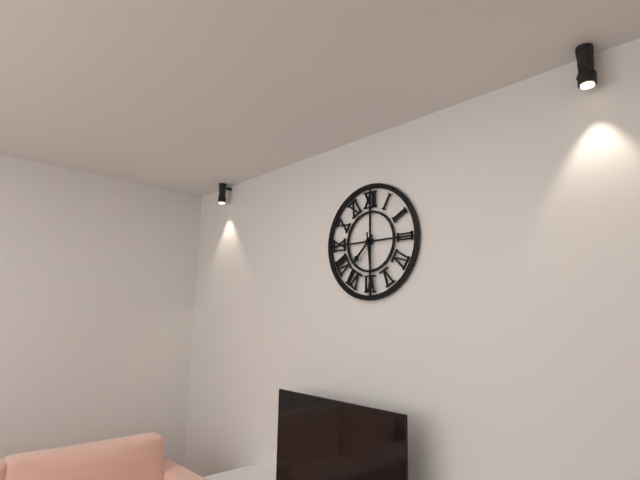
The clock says 7:29
